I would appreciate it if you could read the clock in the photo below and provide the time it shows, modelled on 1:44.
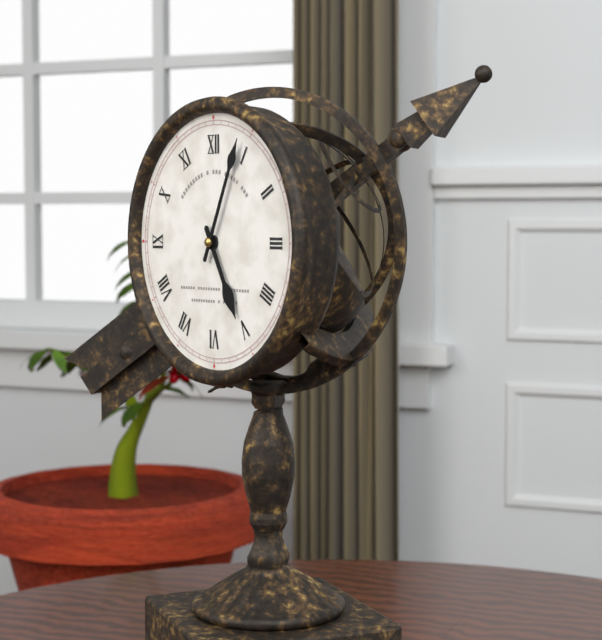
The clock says 5:04
